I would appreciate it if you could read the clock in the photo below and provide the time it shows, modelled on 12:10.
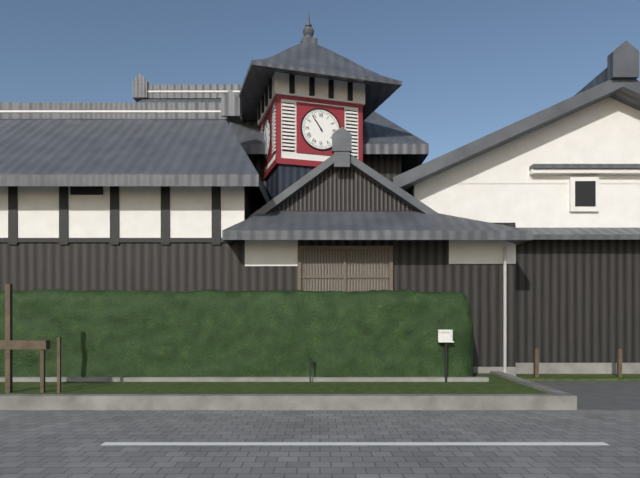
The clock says 10:54
